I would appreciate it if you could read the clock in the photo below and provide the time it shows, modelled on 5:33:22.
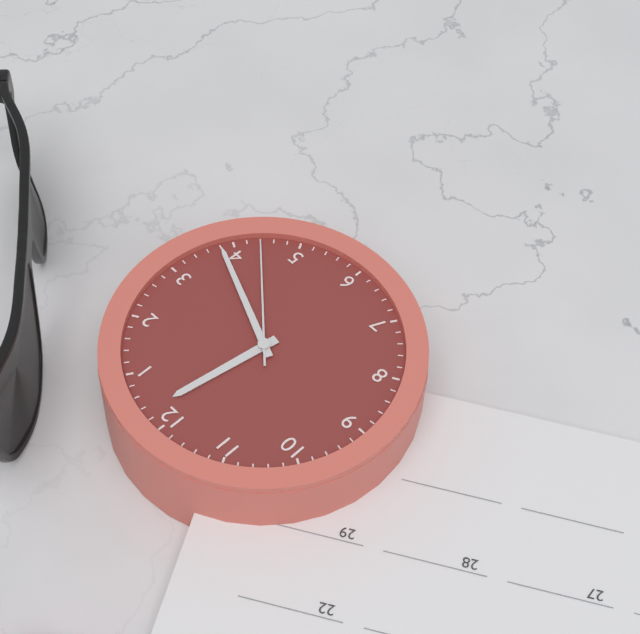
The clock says 12:19:22
